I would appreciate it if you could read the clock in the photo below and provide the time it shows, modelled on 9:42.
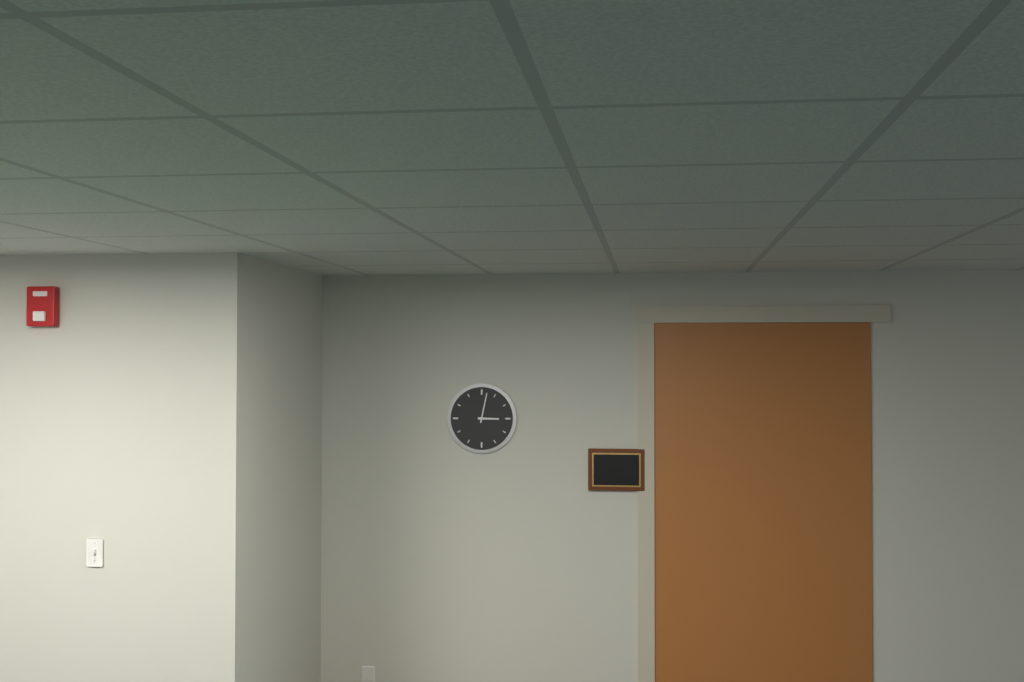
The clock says 3:02
